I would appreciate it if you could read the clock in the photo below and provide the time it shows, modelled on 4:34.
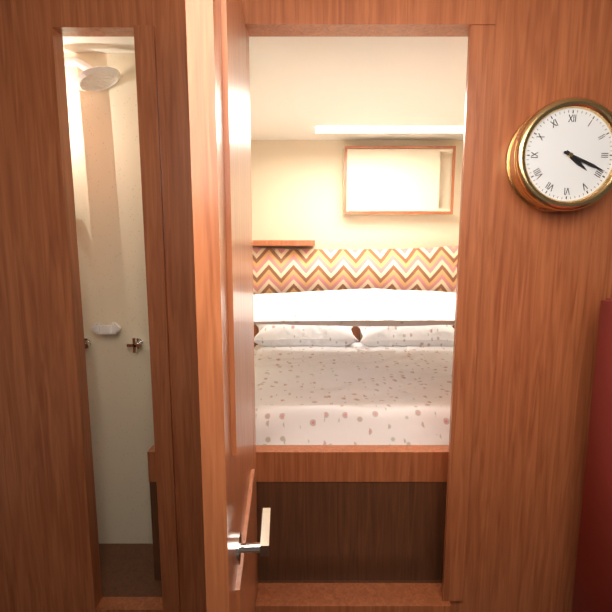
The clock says 4:19
